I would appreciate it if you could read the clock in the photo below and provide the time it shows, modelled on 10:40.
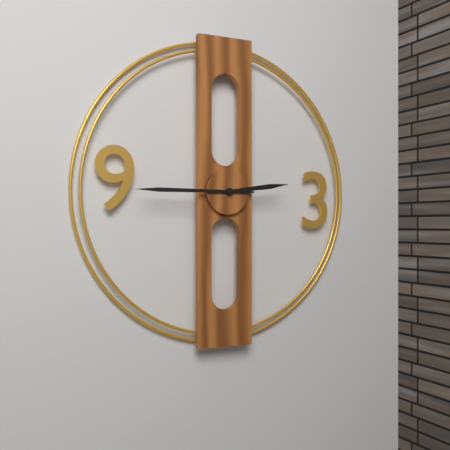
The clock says 2:45
